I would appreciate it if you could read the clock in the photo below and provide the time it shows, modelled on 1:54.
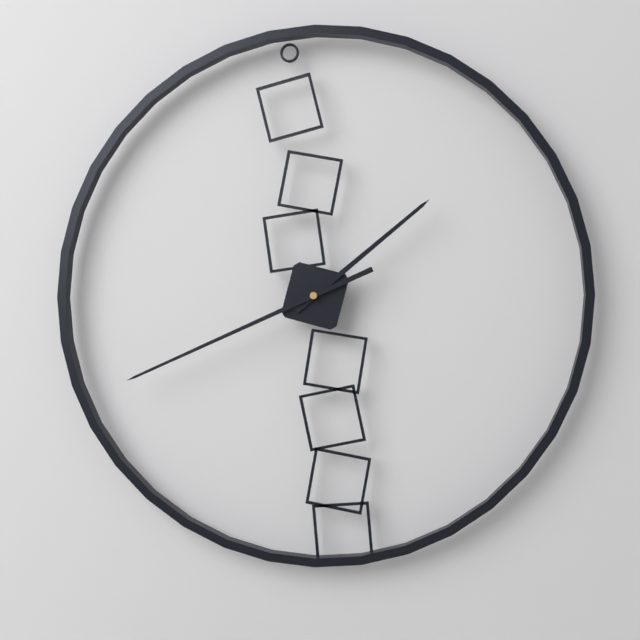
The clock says 1:41
